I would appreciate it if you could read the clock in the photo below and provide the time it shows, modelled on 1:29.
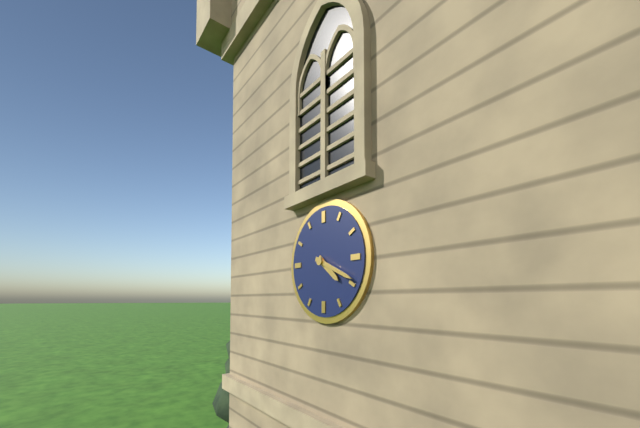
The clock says 4:19
